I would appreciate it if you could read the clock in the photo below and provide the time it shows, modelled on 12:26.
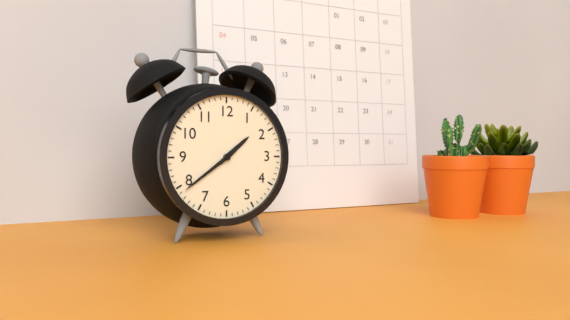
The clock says 1:39
